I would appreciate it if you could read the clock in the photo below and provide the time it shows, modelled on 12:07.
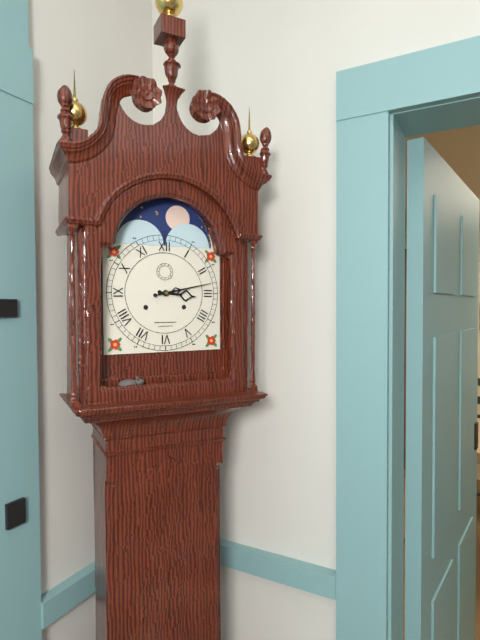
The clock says 3:13
